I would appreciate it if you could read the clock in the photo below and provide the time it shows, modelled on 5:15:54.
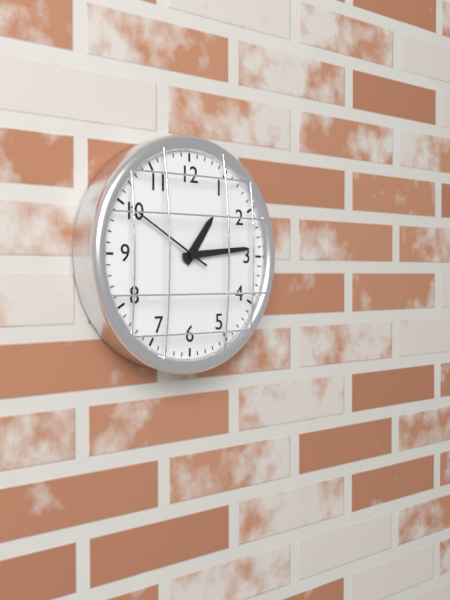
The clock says 1:14:50
